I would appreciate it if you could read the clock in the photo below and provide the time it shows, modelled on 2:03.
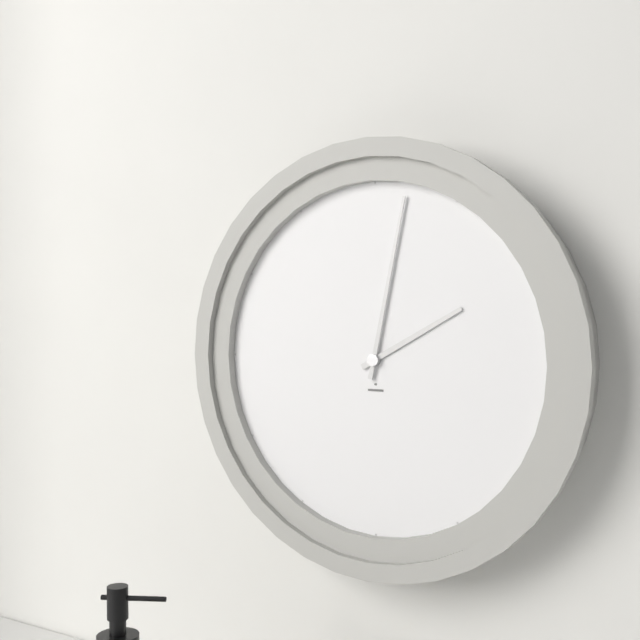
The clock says 2:02
